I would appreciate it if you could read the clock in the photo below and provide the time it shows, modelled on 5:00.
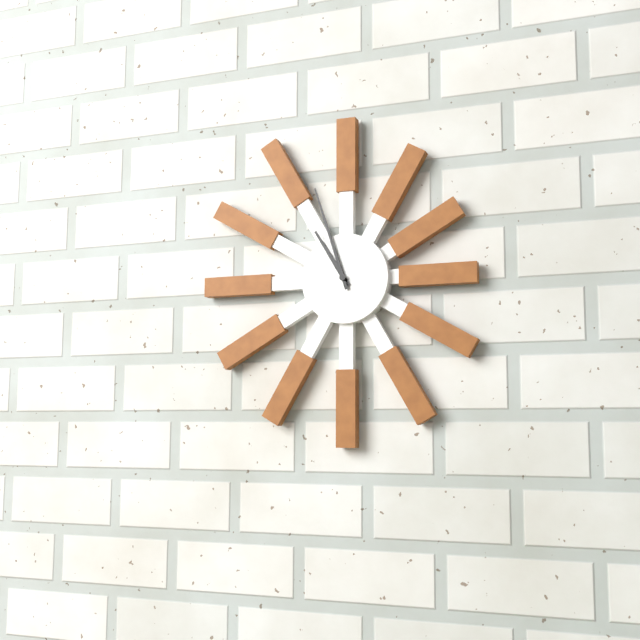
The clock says 10:57
